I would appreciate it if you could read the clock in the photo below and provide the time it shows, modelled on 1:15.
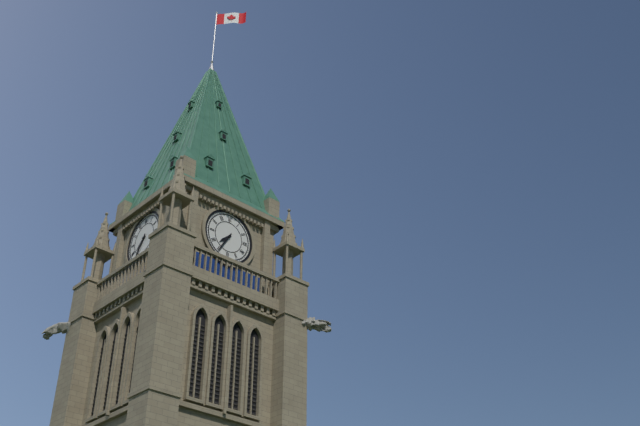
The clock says 7:35
